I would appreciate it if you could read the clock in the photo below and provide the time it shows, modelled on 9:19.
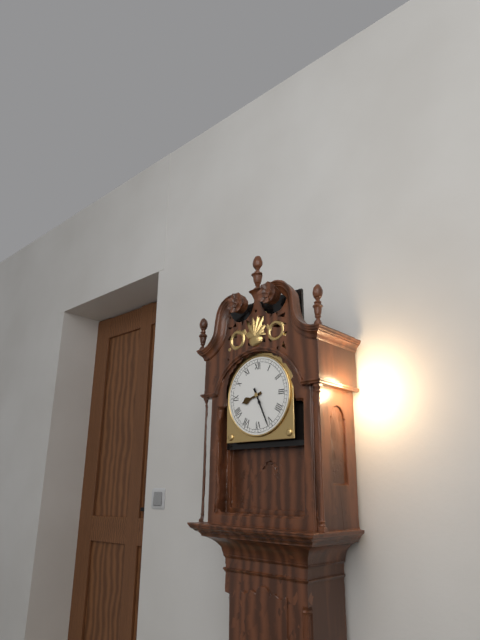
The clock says 8:26
